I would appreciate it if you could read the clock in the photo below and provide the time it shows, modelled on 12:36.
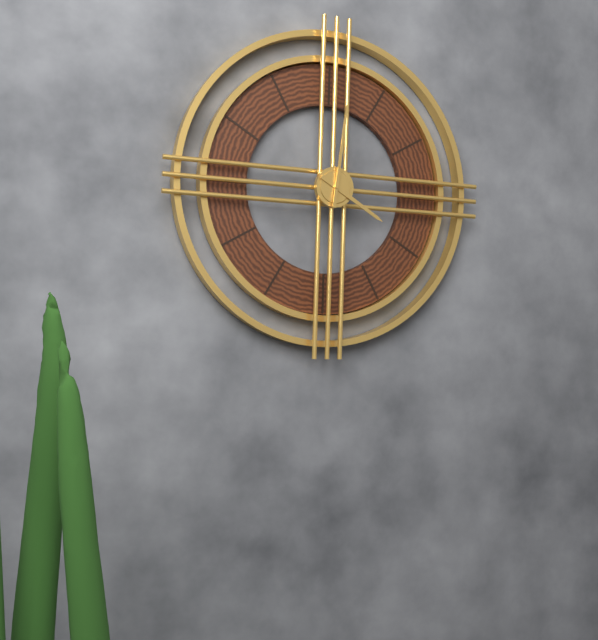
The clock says 4:01
